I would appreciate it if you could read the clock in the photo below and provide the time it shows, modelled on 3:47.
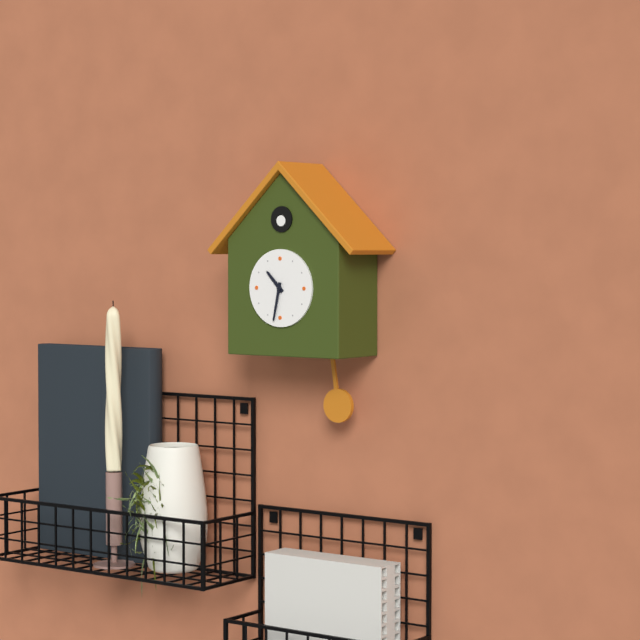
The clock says 10:32
